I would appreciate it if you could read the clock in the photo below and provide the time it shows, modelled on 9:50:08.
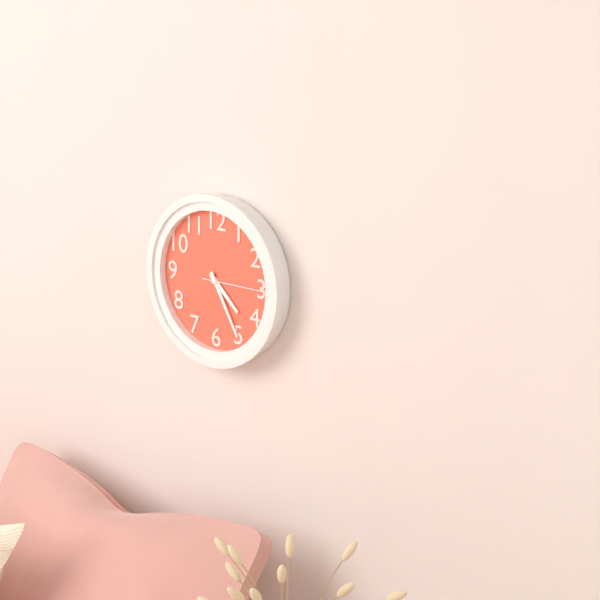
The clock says 4:25:15
